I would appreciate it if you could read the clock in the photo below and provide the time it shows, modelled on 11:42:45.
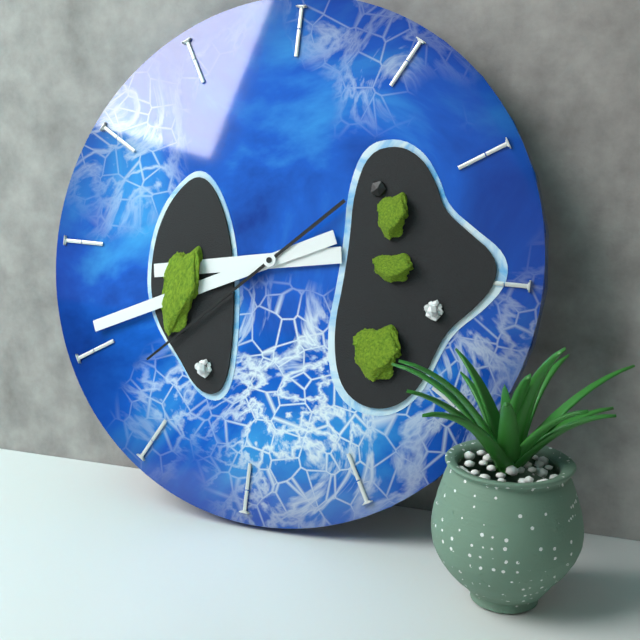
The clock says 8:41:38
